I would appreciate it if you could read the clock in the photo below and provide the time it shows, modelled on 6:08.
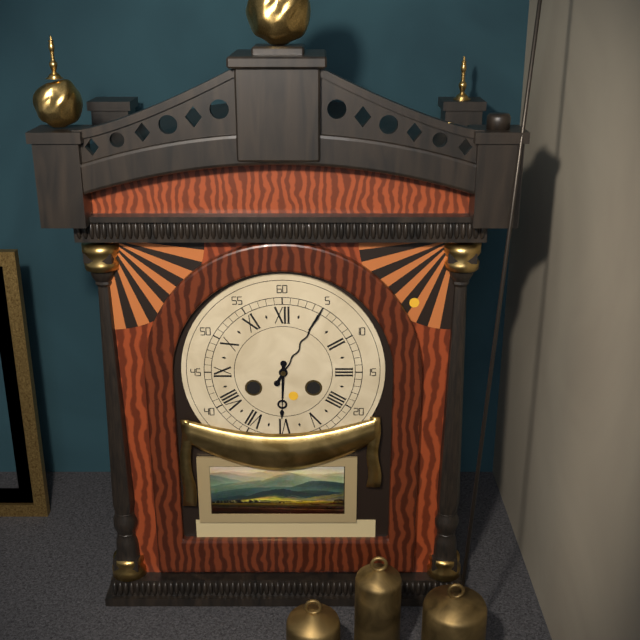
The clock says 6:05
